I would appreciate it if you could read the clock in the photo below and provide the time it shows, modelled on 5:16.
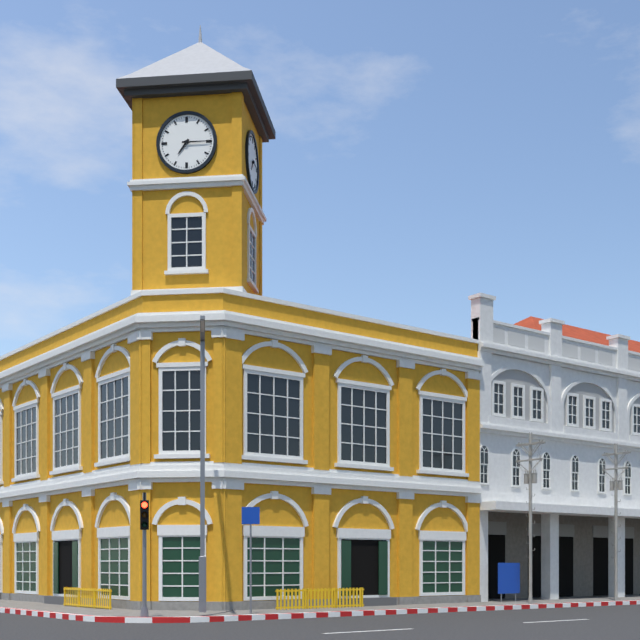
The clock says 7:15
